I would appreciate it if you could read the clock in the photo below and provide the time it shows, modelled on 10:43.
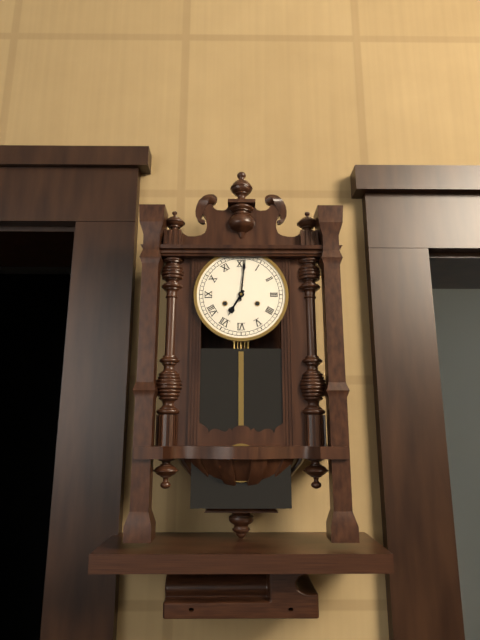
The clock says 7:01
